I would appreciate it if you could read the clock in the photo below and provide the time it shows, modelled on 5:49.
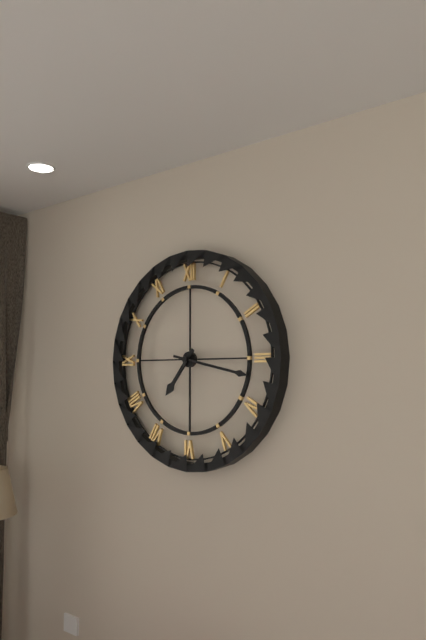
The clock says 7:17
